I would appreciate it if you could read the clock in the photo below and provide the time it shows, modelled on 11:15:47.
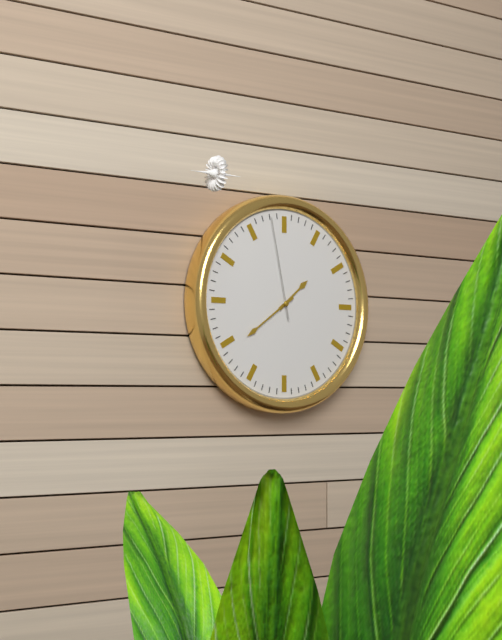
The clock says 1:39:58
